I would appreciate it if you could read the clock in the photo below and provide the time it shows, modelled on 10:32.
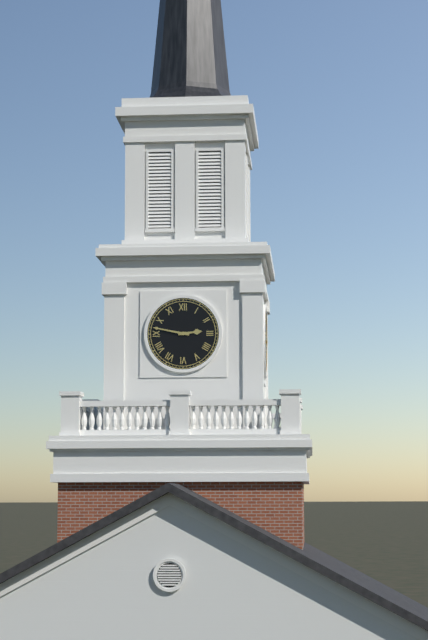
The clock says 2:47
